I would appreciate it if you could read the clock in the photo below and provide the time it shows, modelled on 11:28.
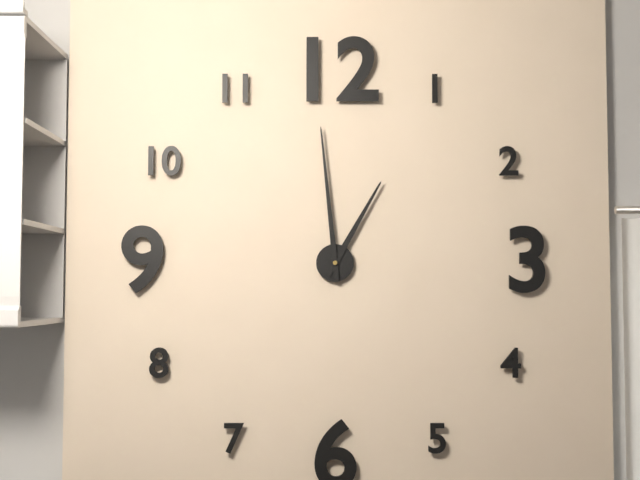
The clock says 12:59
